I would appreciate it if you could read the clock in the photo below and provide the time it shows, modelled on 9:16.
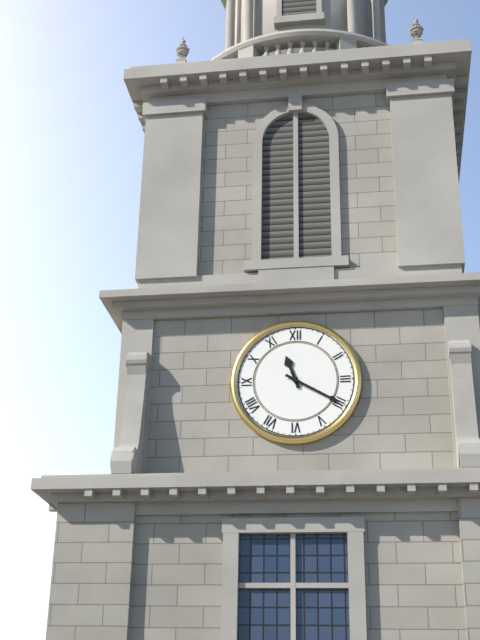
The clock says 11:20
